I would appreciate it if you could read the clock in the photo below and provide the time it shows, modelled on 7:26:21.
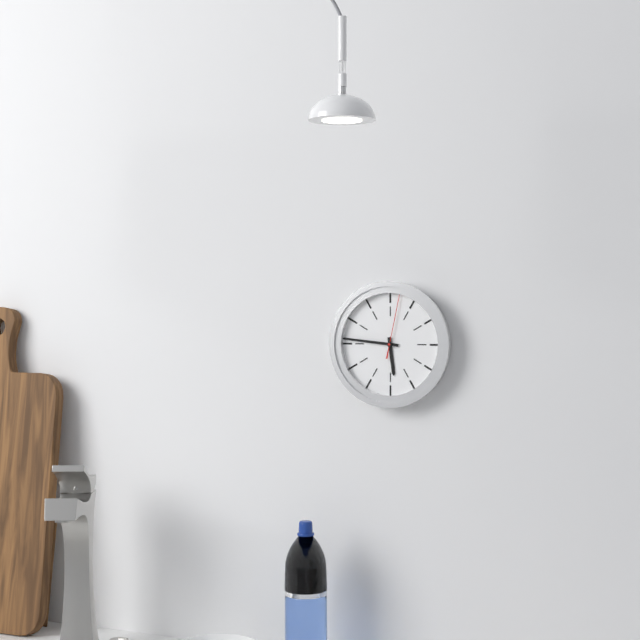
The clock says 5:46:02
